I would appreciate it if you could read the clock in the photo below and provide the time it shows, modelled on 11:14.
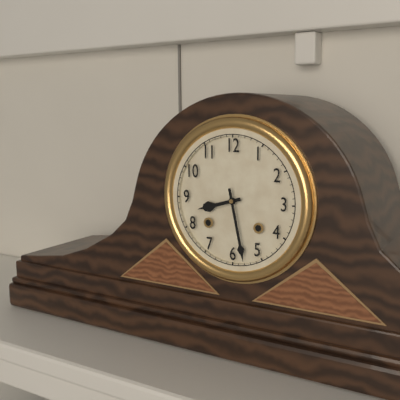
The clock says 8:28
